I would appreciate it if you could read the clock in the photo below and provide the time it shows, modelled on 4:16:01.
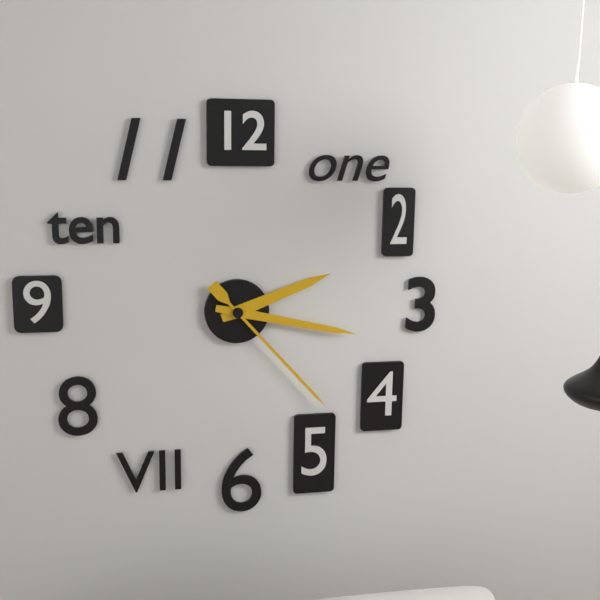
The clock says 2:17:23
